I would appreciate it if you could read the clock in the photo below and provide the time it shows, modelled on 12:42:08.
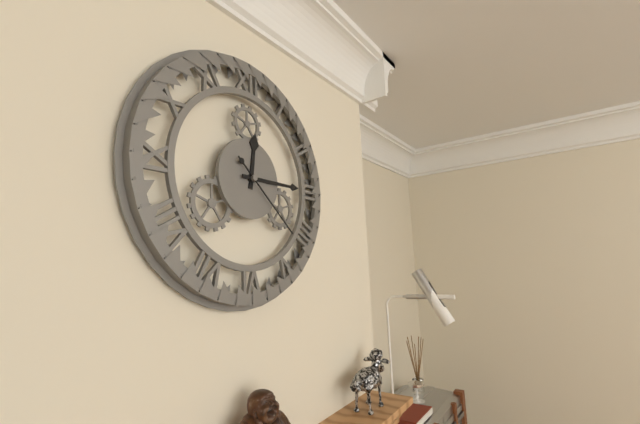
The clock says 12:15:22
